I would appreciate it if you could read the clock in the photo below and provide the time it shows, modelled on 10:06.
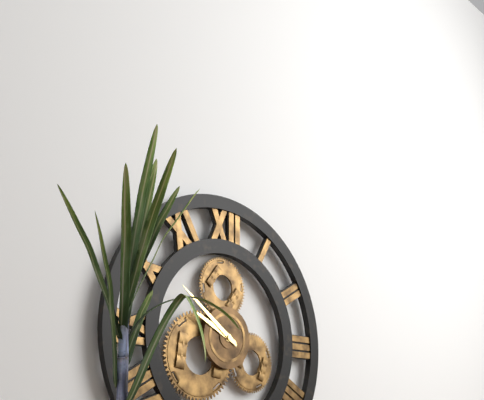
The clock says 9:51
